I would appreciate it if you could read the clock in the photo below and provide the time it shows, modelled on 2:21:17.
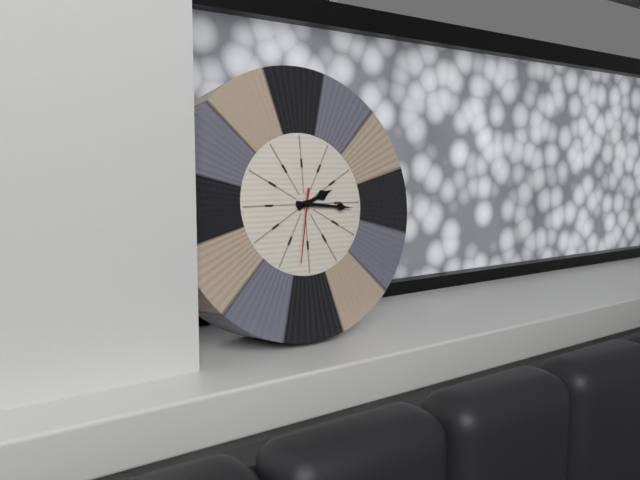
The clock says 2:16:32
